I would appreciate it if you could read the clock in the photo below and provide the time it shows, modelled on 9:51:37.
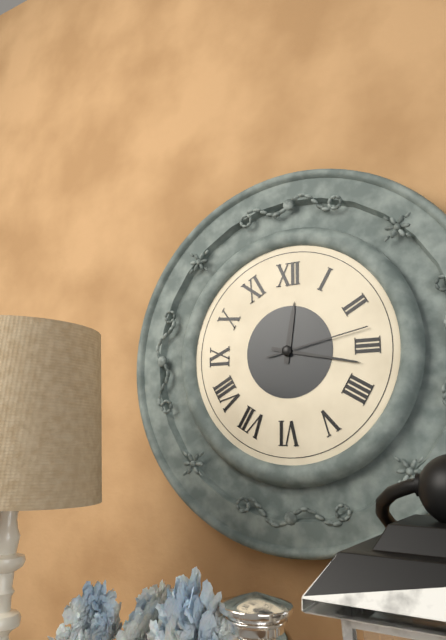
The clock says 12:17:13
